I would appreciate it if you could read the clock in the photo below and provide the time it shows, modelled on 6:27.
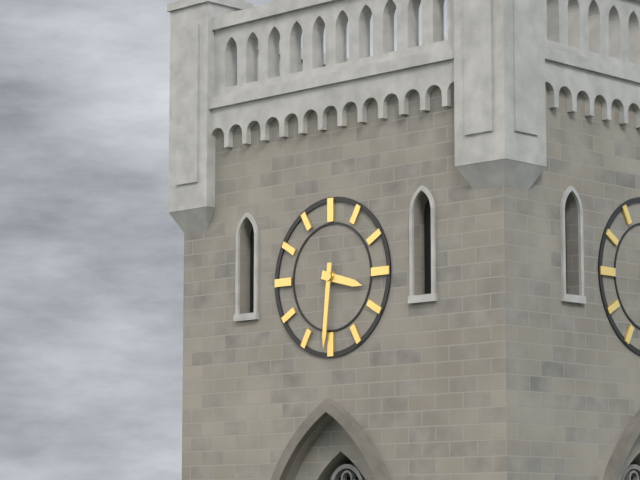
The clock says 3:31
